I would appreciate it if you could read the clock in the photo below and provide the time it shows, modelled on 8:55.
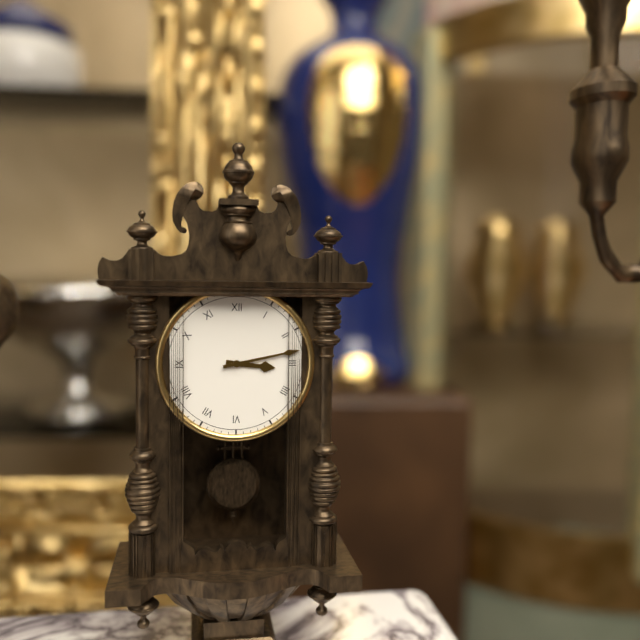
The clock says 3:13
